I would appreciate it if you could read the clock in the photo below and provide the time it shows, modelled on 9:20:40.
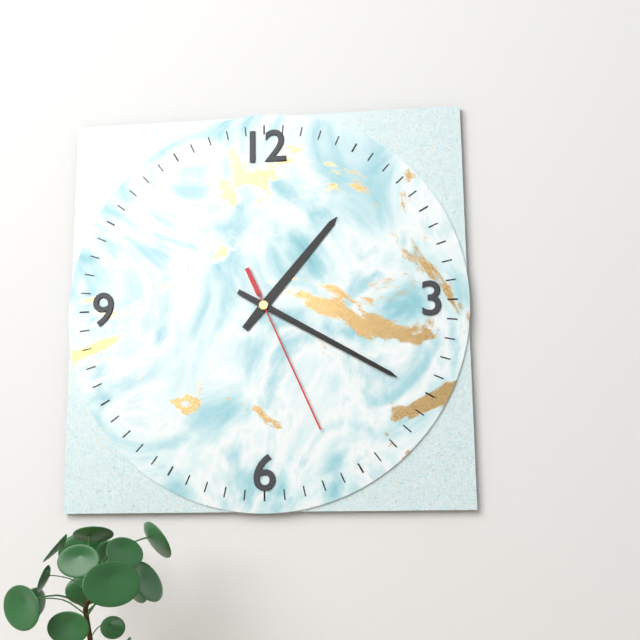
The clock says 1:20:26
